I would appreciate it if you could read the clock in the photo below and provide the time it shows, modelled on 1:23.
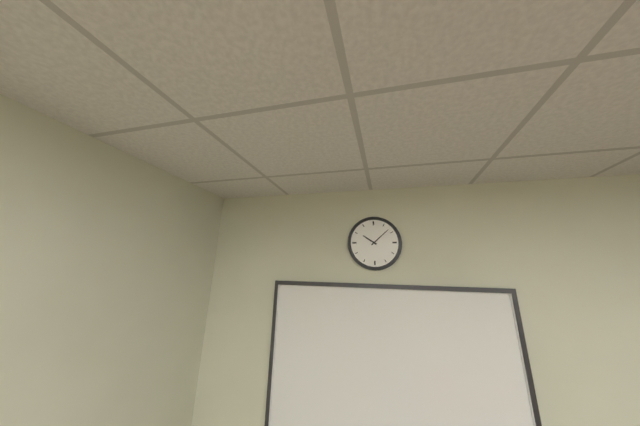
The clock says 10:08
